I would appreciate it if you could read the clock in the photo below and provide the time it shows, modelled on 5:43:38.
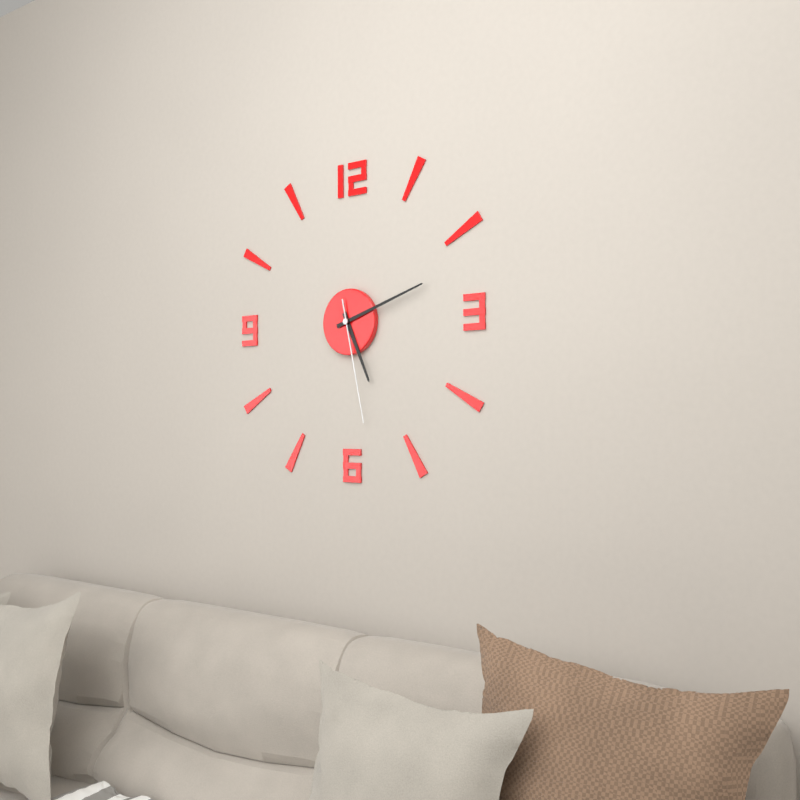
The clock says 5:12:28
